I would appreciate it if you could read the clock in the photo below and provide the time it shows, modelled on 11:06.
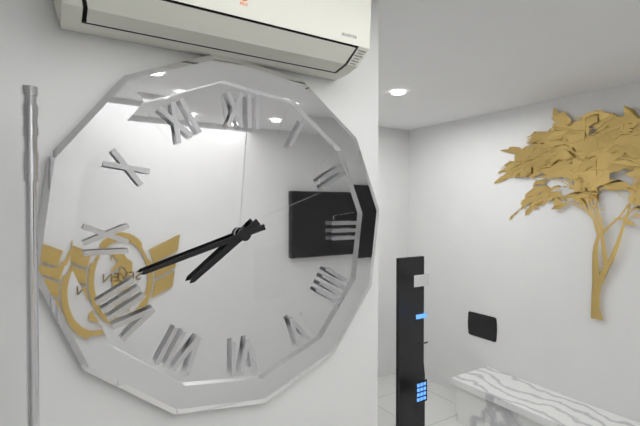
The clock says 7:42
